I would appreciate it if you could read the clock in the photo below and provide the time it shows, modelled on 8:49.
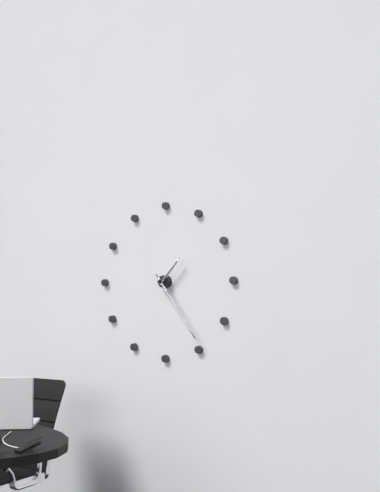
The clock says 1:24
